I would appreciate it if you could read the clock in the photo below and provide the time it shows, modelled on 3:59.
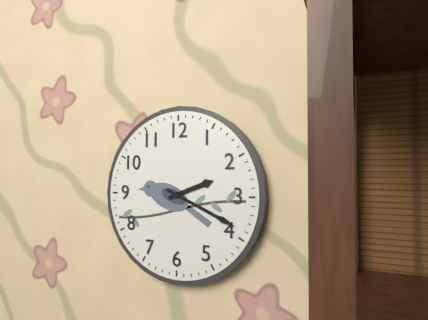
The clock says 2:19
